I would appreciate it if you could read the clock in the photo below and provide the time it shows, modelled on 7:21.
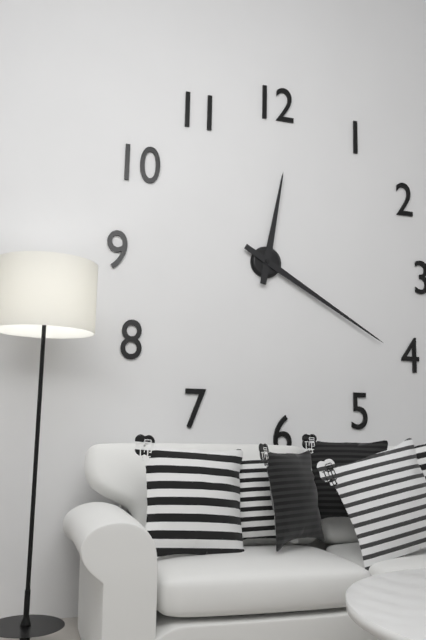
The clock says 12:20
